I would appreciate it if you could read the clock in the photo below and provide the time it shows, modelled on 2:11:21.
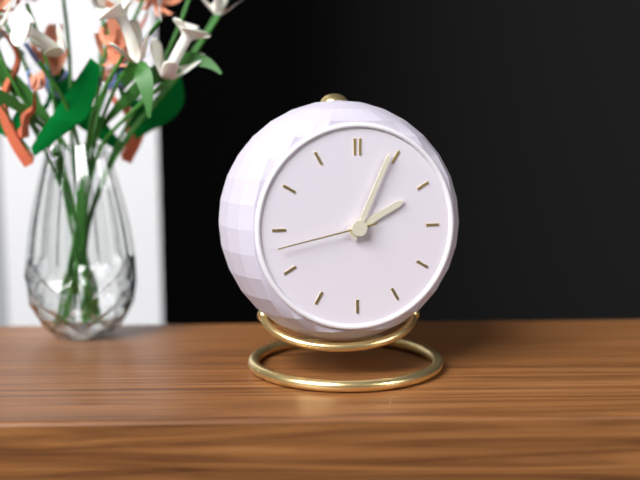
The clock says 2:04:43
